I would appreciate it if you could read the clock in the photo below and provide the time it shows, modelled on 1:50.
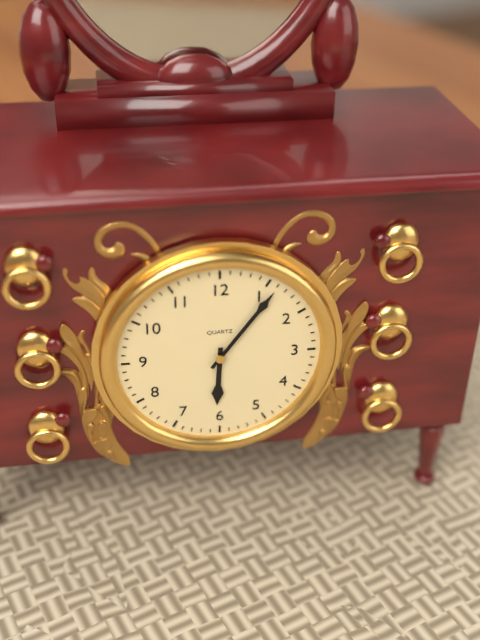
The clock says 6:06
